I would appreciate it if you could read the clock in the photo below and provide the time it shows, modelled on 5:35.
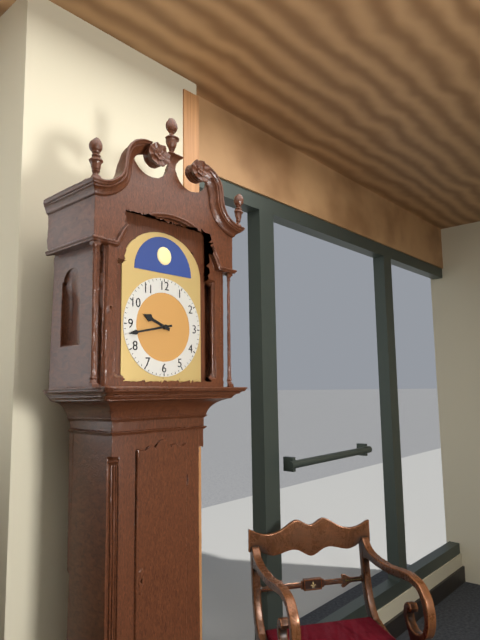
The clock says 9:43
